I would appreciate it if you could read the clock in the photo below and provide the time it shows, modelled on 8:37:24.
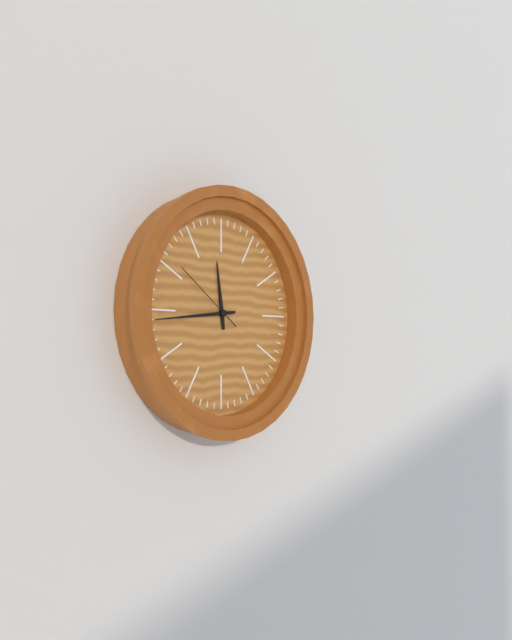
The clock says 11:44:51
